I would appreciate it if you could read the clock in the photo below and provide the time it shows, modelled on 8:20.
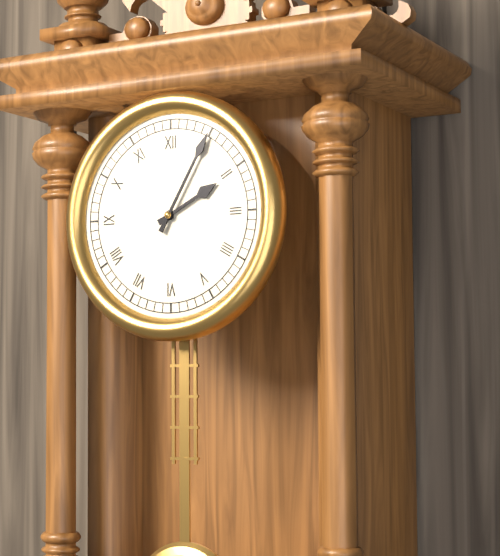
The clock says 2:05
